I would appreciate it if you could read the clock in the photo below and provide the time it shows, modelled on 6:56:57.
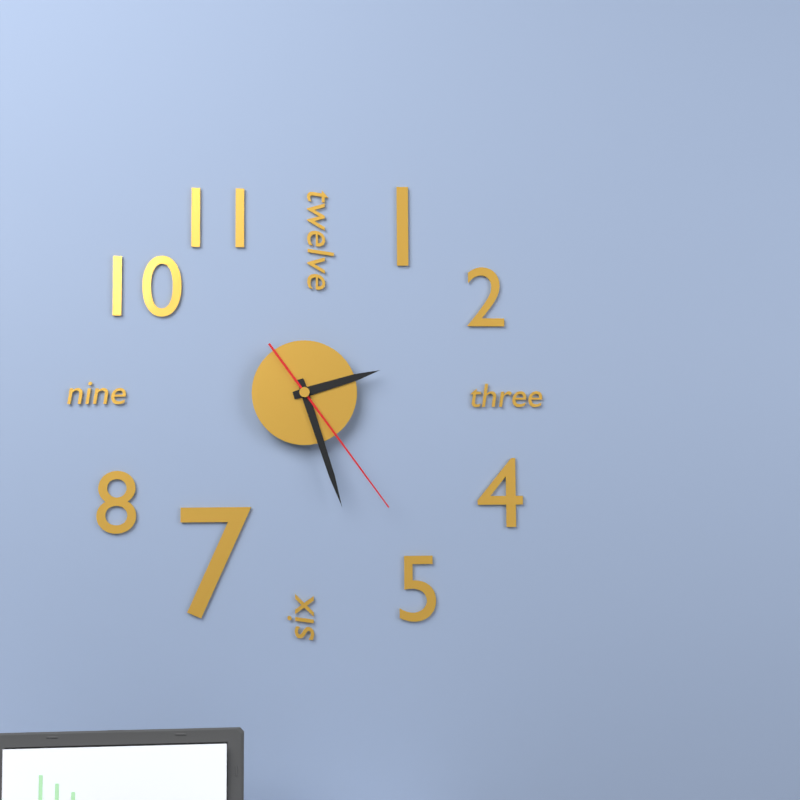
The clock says 2:27:24
